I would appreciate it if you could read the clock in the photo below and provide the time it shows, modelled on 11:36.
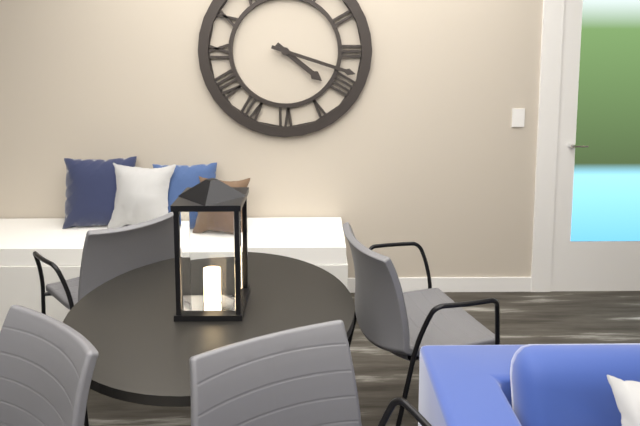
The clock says 4:18
